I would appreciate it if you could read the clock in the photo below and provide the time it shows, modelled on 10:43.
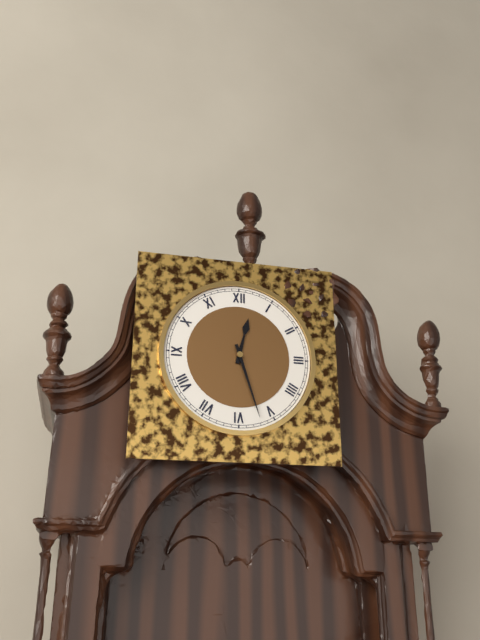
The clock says 12:27
